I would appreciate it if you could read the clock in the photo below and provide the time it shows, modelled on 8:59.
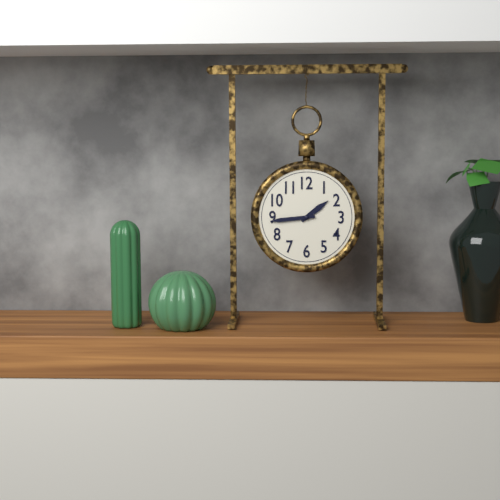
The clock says 1:44
